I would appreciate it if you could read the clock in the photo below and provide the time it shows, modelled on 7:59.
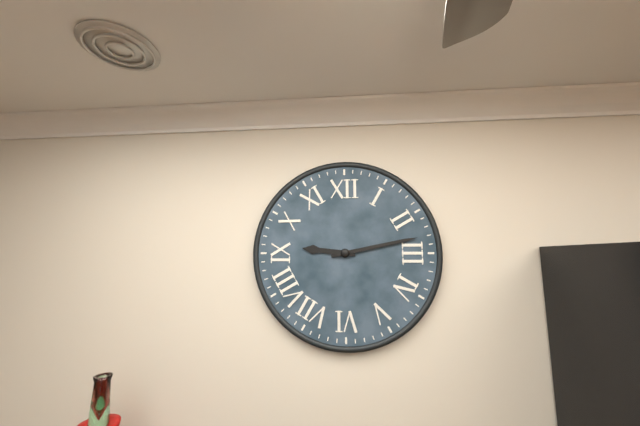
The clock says 9:13
